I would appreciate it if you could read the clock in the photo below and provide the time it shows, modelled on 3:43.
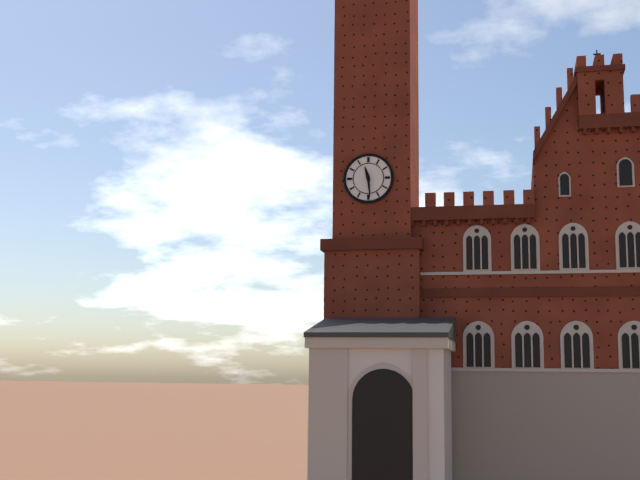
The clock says 11:29
